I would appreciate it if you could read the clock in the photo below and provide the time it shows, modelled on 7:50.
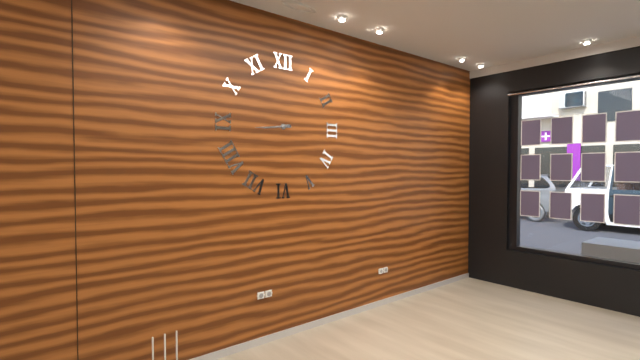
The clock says 8:44
